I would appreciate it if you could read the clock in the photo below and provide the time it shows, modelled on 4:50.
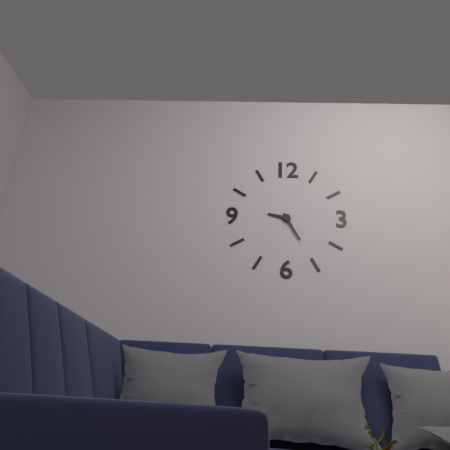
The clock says 9:25
